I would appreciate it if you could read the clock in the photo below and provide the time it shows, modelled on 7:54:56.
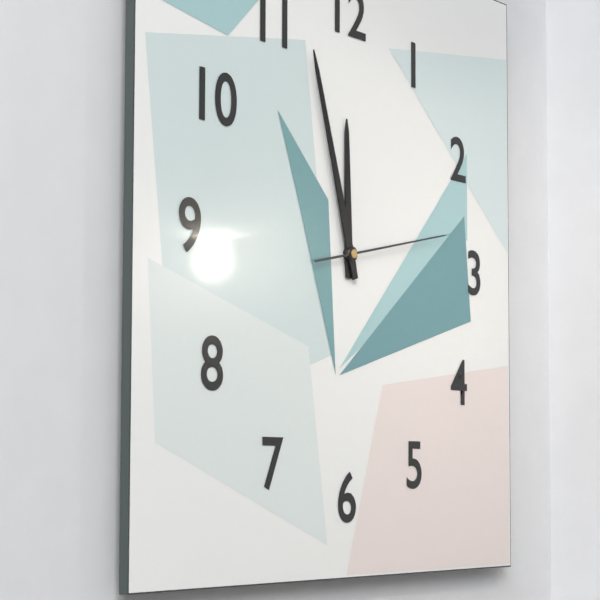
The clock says 11:57:13
